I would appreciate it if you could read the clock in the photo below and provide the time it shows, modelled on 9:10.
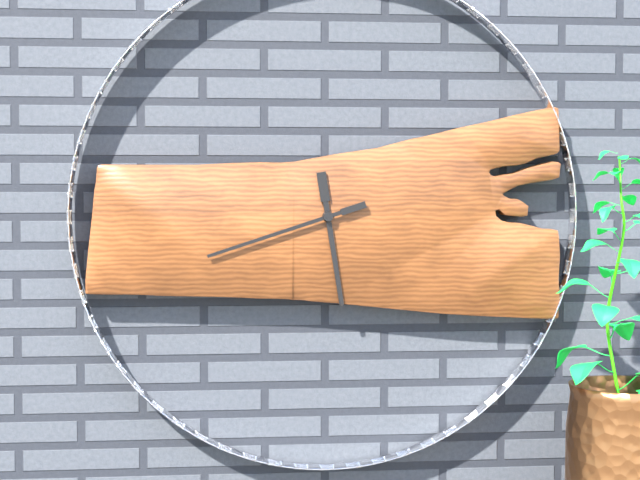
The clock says 5:42
